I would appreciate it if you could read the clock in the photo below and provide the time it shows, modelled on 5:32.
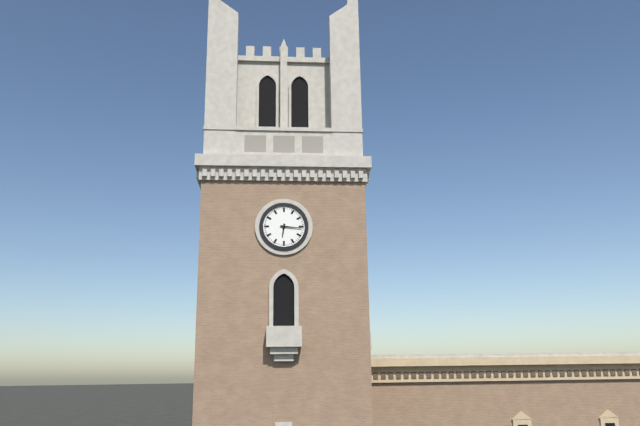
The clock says 6:16
